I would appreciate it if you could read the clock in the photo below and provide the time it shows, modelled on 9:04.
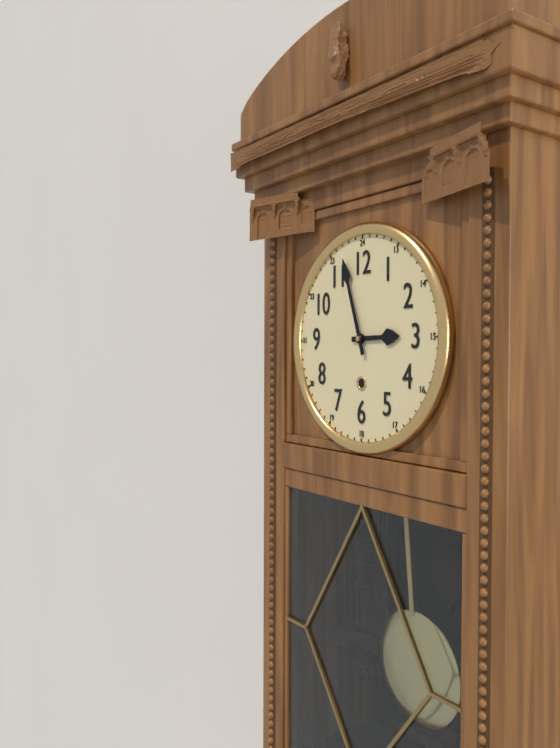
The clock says 2:57
